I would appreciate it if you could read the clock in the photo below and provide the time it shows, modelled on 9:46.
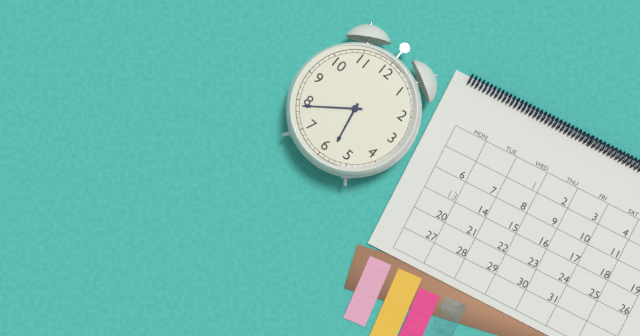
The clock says 5:39
